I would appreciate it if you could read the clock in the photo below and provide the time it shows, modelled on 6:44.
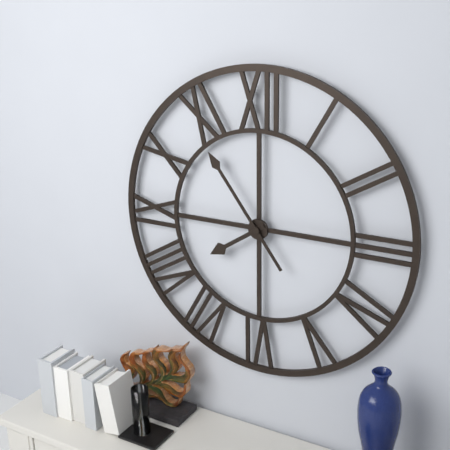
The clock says 7:54
